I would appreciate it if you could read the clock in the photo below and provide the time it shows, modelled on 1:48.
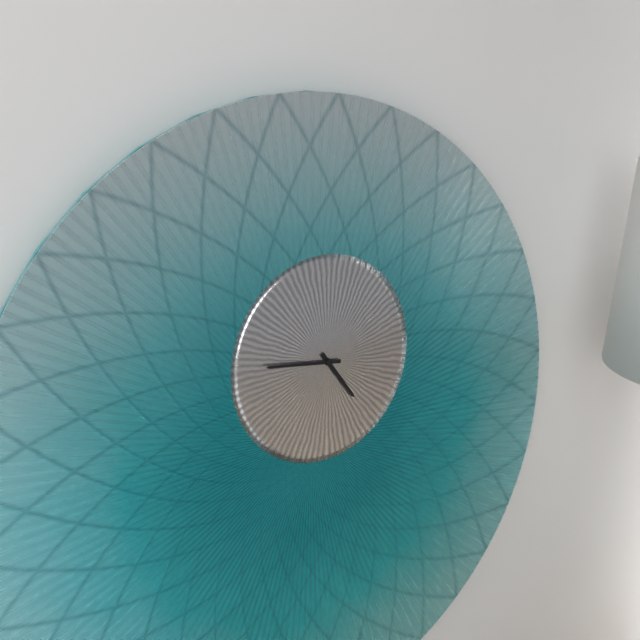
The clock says 4:46
